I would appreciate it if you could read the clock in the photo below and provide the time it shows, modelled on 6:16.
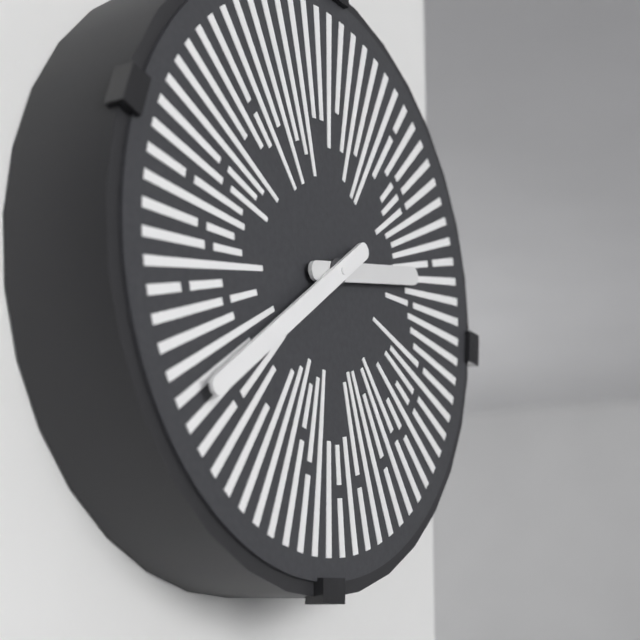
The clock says 2:39
